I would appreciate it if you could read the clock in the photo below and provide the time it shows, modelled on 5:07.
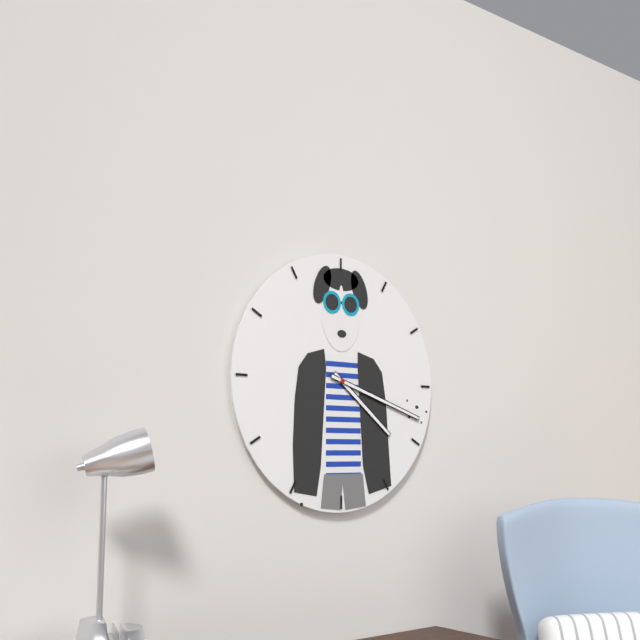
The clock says 4:18
